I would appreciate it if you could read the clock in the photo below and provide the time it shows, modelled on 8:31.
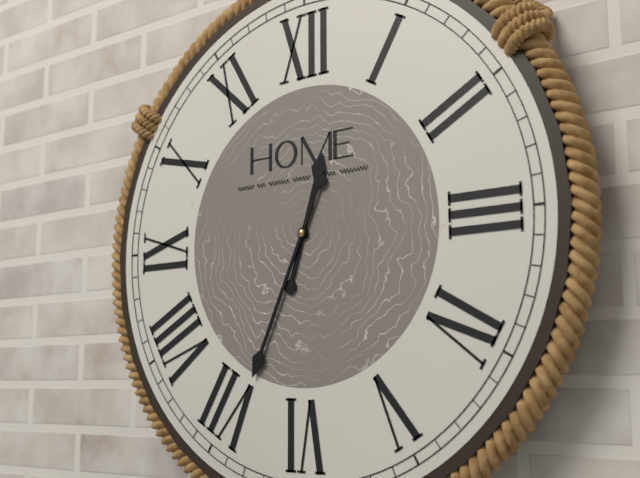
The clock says 12:34
